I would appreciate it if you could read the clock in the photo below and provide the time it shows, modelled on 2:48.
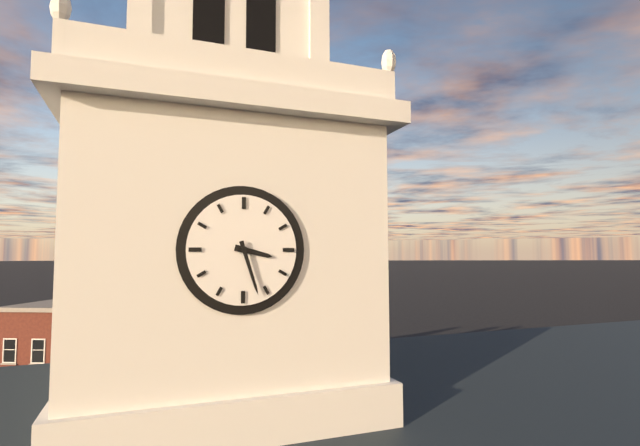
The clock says 3:27
